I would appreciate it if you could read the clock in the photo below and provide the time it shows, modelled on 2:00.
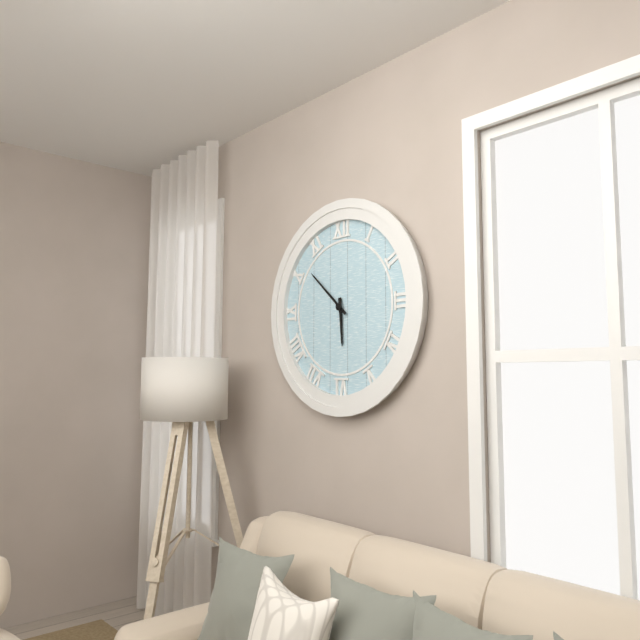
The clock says 5:52
